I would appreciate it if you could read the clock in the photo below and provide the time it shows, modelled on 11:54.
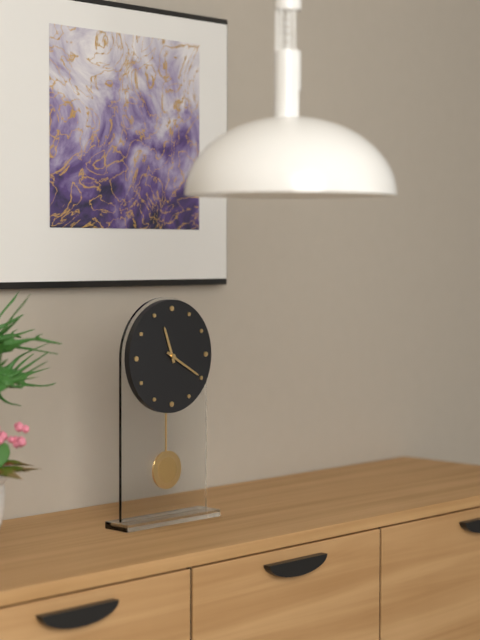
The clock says 11:20
